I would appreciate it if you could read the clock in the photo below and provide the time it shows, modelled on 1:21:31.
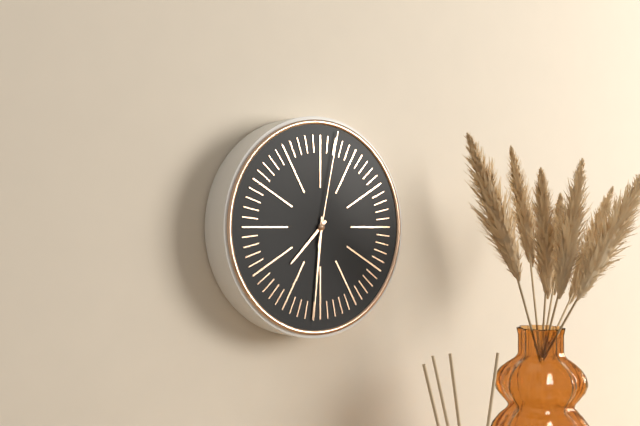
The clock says 7:31:02
